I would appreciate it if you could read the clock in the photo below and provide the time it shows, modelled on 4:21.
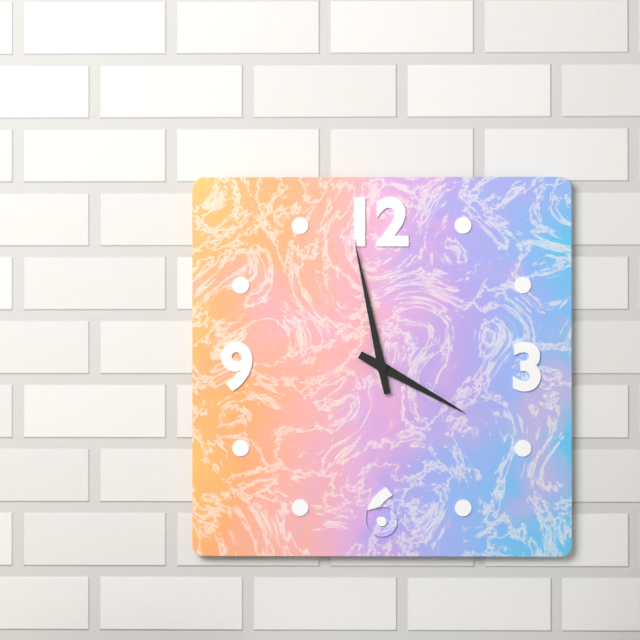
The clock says 3:58
